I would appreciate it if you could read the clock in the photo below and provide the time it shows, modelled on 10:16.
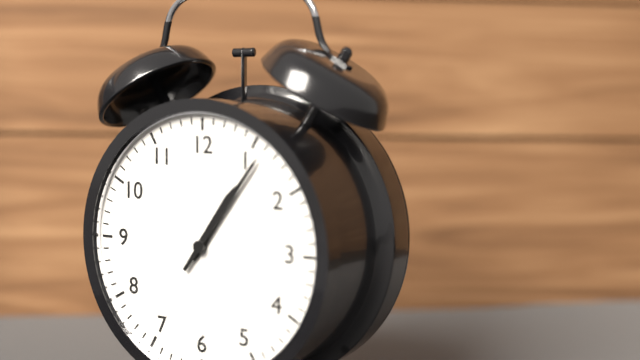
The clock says 1:06
